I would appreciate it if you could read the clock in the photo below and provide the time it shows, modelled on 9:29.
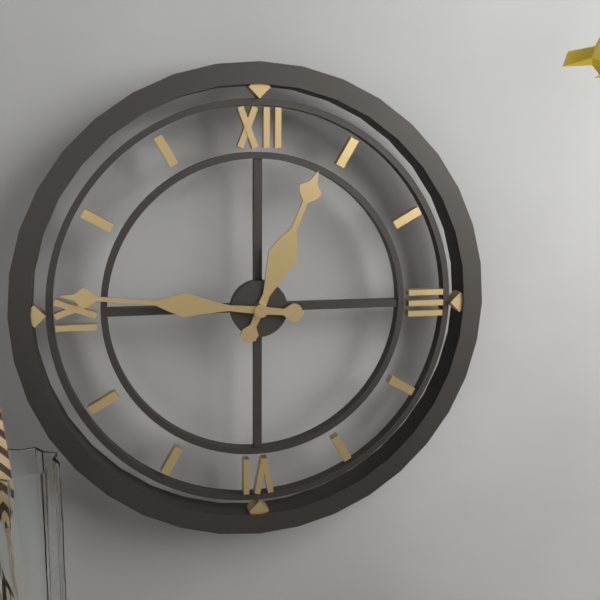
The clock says 12:46
